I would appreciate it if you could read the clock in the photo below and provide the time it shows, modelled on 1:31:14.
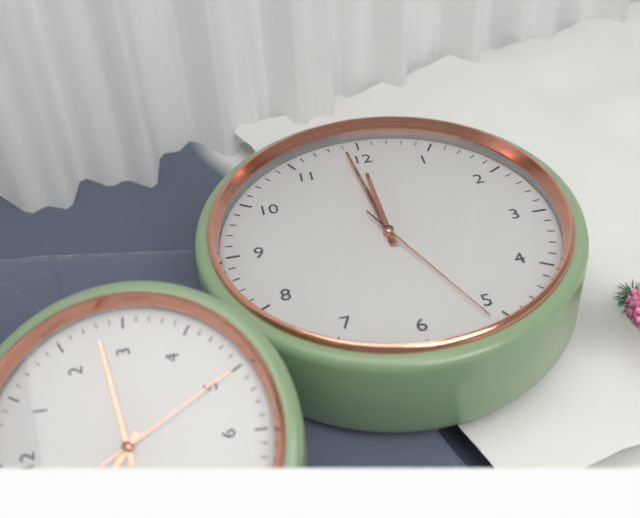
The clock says 11:59:26
